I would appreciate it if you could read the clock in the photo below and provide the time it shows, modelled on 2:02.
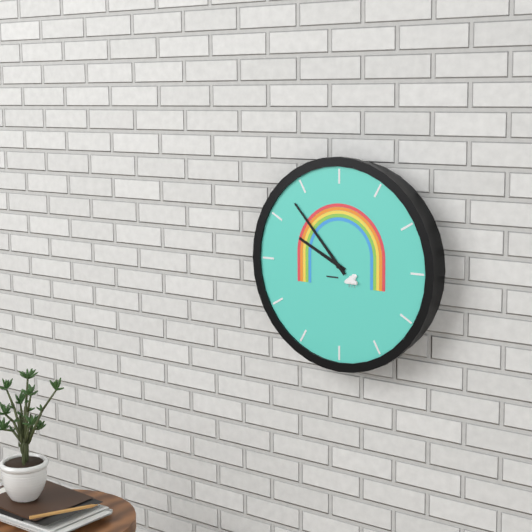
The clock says 9:53
